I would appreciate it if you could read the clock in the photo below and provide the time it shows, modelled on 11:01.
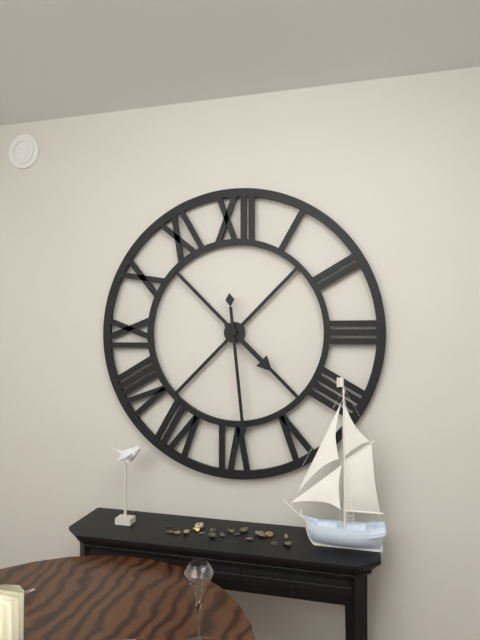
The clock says 4:29
